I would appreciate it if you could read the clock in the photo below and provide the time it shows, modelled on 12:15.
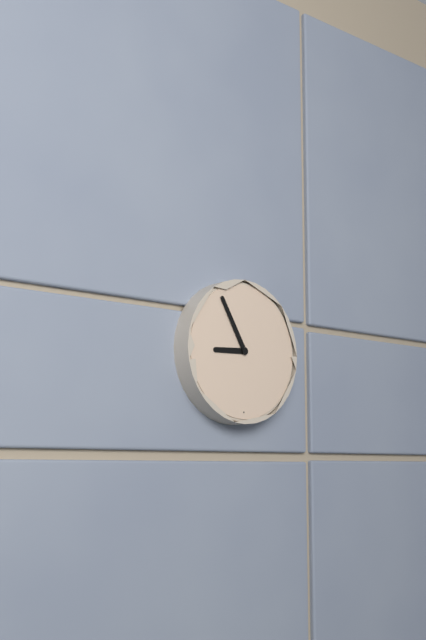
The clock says 8:55
